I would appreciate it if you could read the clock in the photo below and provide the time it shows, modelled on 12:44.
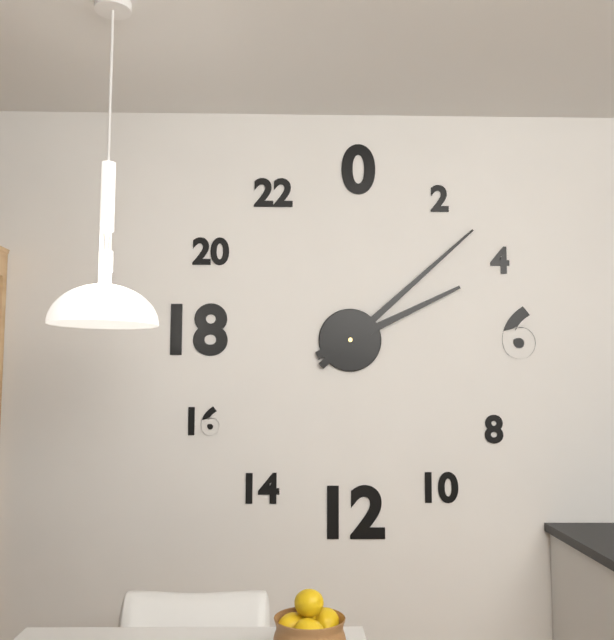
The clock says 2:08
